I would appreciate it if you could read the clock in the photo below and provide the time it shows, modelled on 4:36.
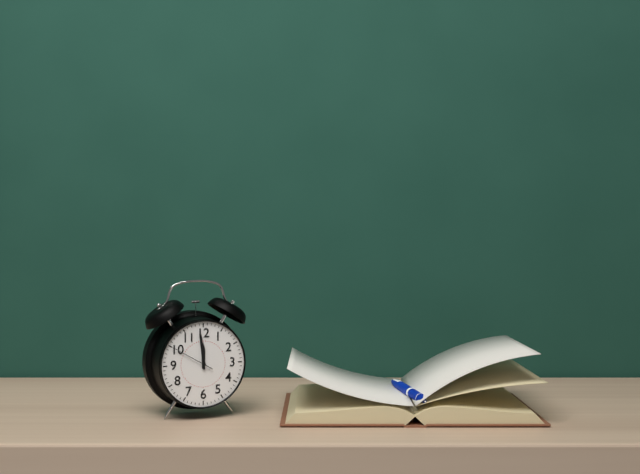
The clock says 11:59
